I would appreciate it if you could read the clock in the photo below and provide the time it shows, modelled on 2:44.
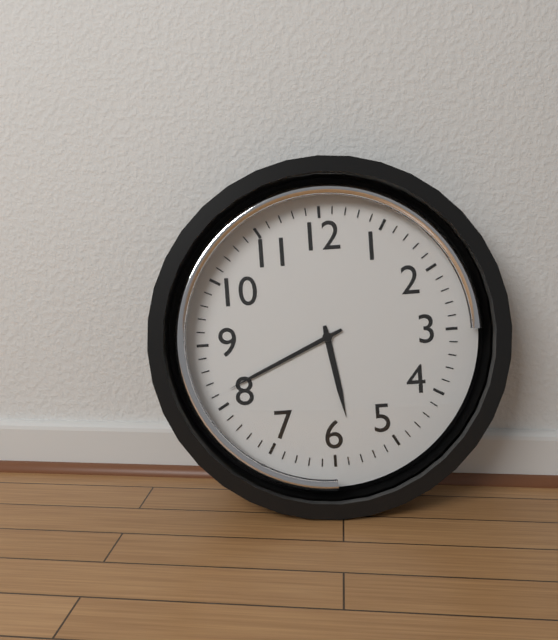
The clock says 5:41
